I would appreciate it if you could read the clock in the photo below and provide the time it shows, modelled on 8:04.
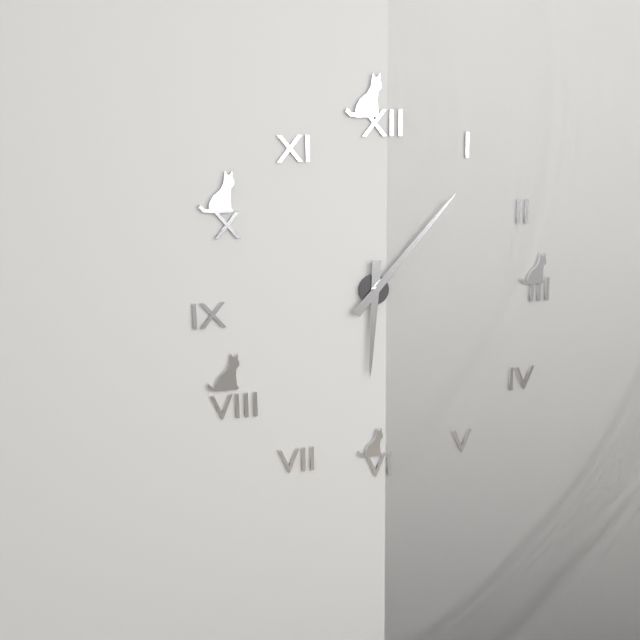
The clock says 6:07
